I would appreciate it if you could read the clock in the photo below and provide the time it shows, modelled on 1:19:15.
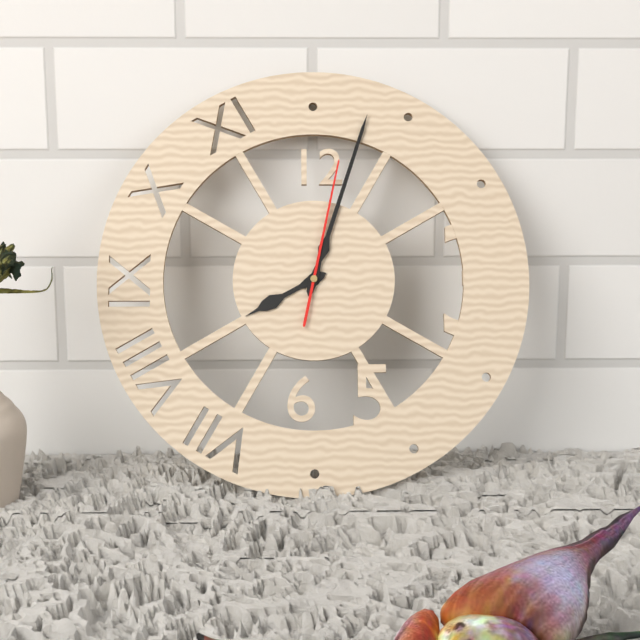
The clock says 8:03:02
